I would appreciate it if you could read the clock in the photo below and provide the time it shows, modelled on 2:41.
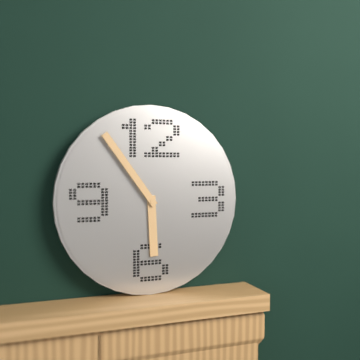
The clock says 5:54
